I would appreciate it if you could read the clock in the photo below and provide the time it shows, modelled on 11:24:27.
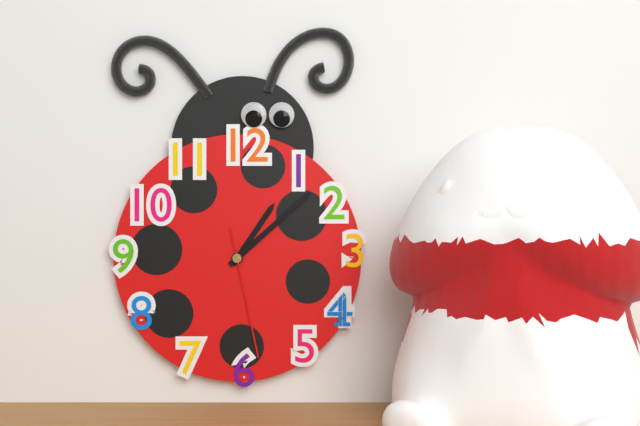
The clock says 1:08:28
